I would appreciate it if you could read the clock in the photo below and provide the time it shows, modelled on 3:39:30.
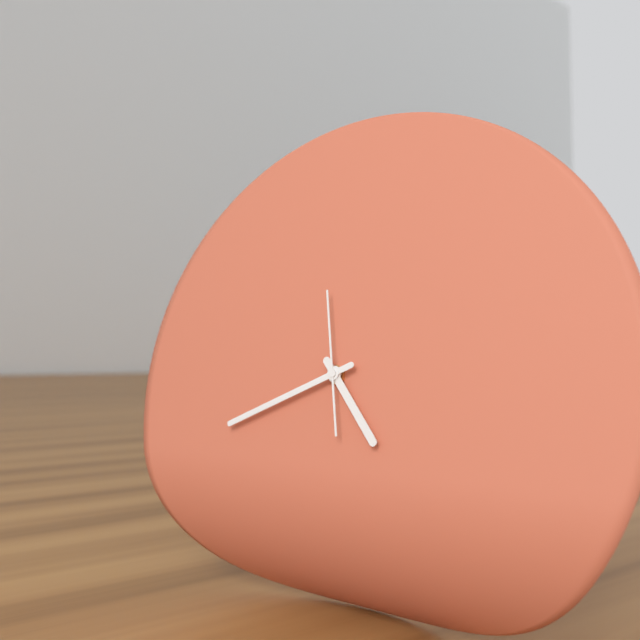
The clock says 4:41:58
